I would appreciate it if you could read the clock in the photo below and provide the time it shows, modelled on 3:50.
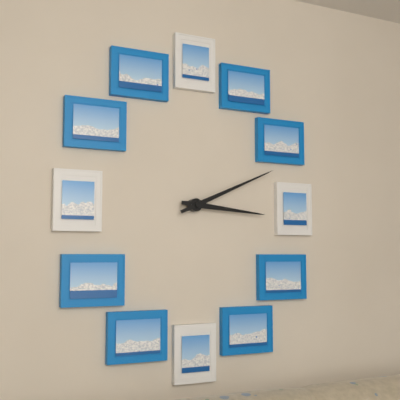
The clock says 3:11
